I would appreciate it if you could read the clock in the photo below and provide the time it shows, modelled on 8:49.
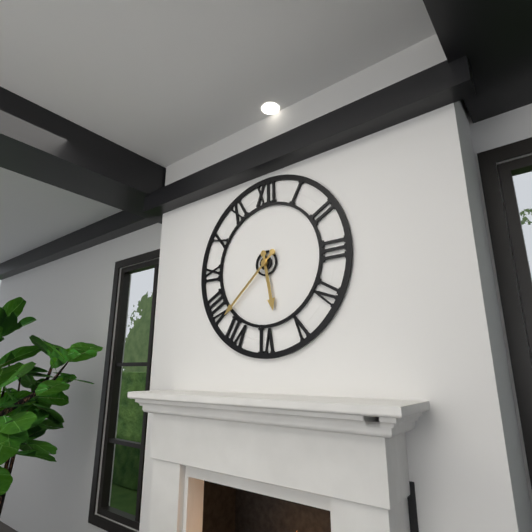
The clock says 5:38
